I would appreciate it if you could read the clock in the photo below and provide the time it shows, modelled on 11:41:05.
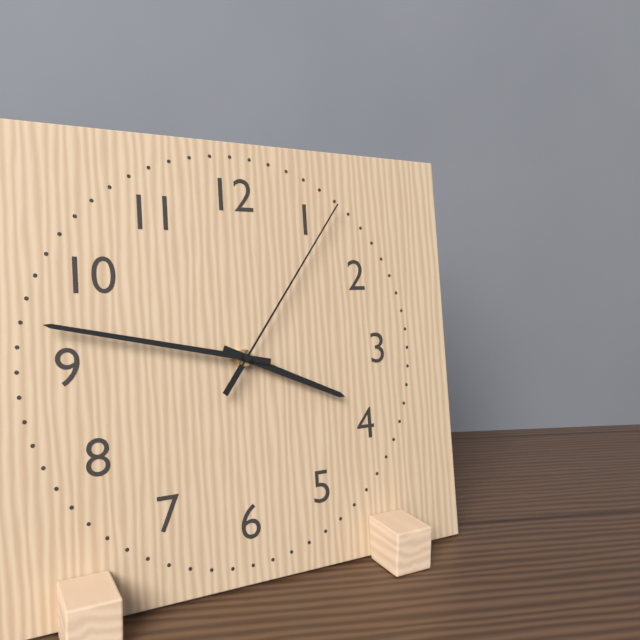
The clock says 3:47:06
